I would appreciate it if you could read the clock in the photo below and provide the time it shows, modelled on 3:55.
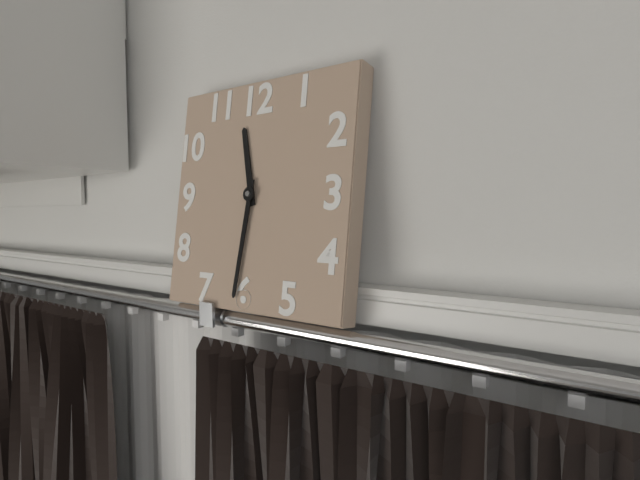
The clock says 11:31
